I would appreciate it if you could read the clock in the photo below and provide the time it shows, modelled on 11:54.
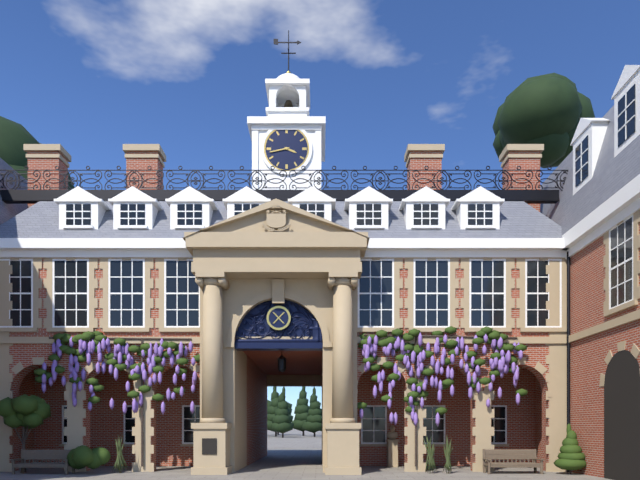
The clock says 3:43
